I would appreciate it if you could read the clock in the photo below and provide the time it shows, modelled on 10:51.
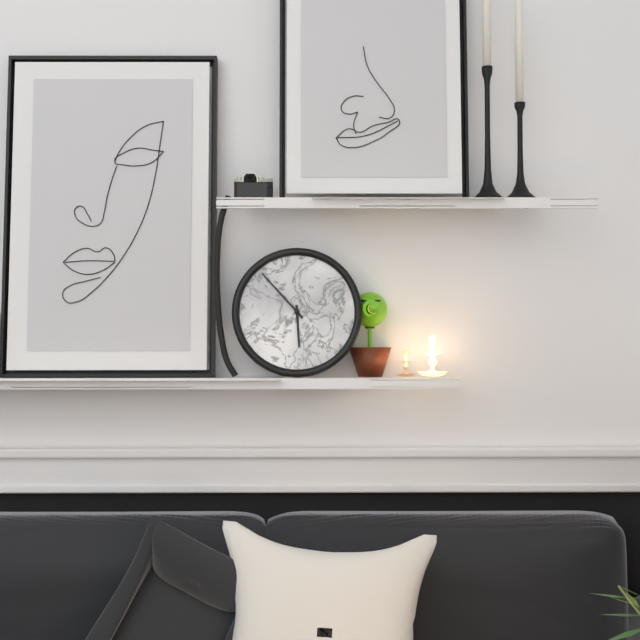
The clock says 5:53
